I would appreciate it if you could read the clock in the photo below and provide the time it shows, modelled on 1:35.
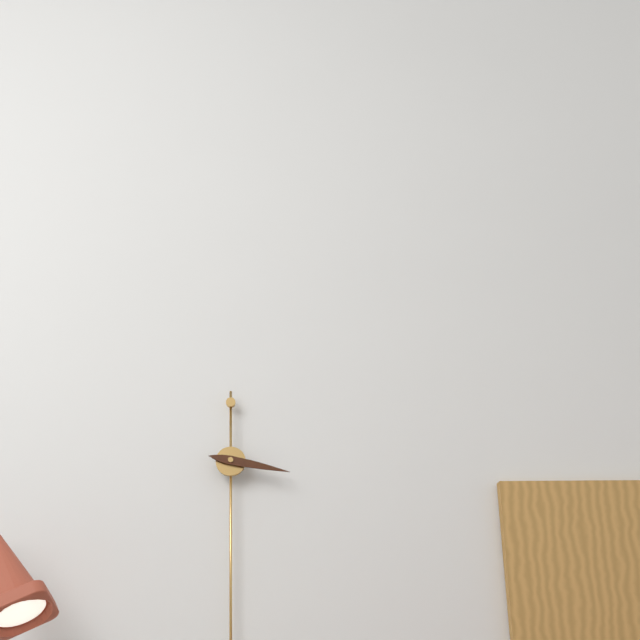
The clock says 3:17
